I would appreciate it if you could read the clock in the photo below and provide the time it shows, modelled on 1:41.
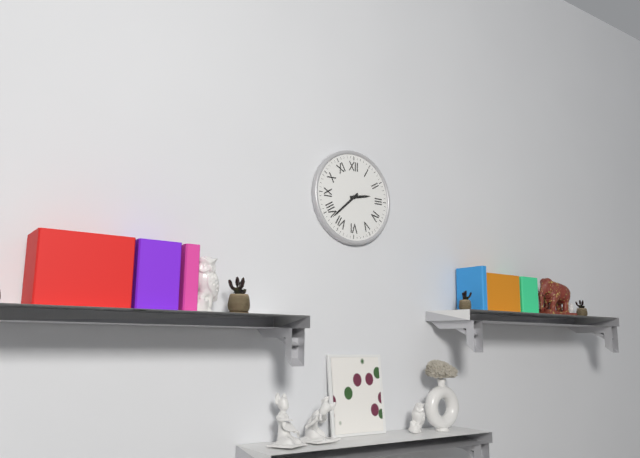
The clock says 2:38
